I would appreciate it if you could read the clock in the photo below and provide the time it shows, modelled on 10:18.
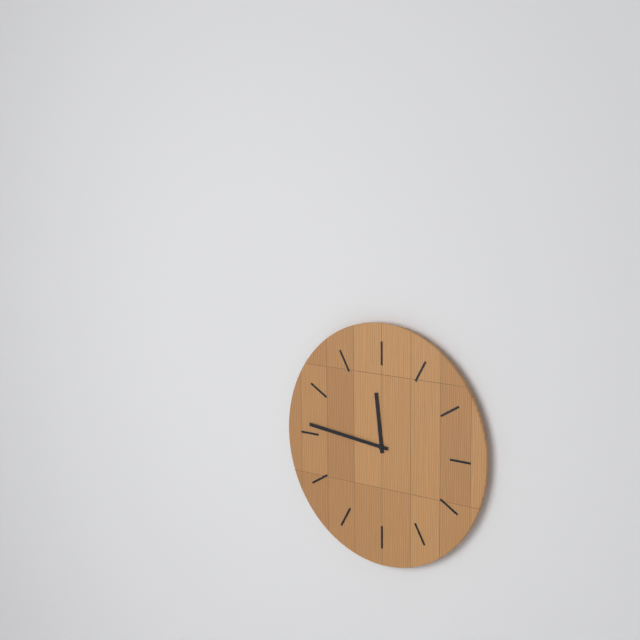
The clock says 11:46
